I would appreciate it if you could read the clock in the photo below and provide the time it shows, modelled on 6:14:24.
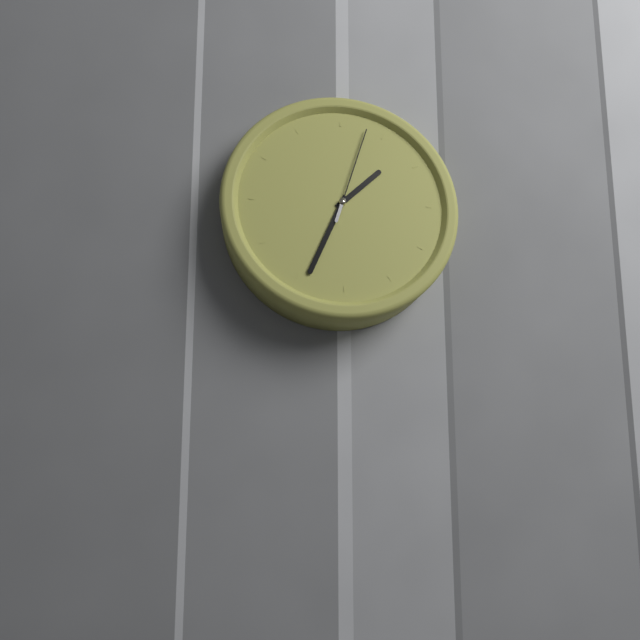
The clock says 1:34:03
